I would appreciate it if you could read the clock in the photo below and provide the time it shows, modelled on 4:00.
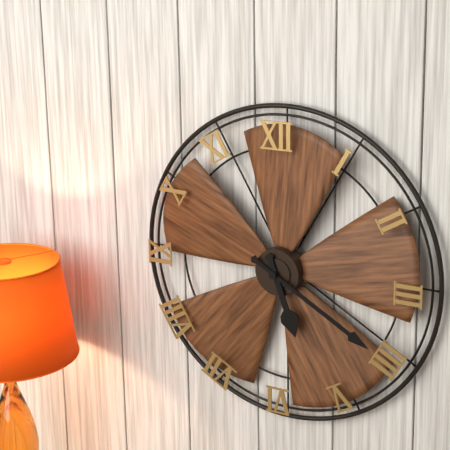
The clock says 5:20
